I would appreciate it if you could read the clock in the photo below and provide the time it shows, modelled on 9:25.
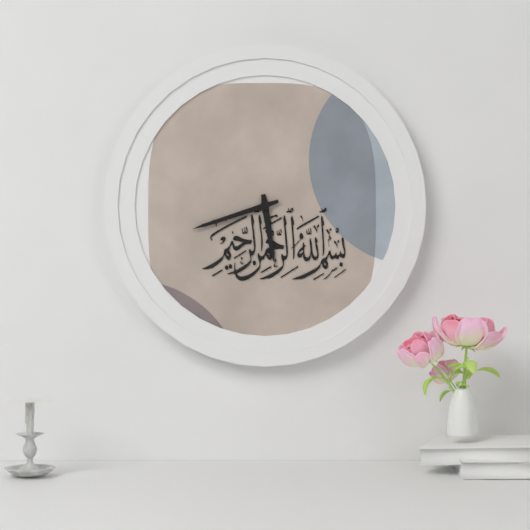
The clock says 5:42
